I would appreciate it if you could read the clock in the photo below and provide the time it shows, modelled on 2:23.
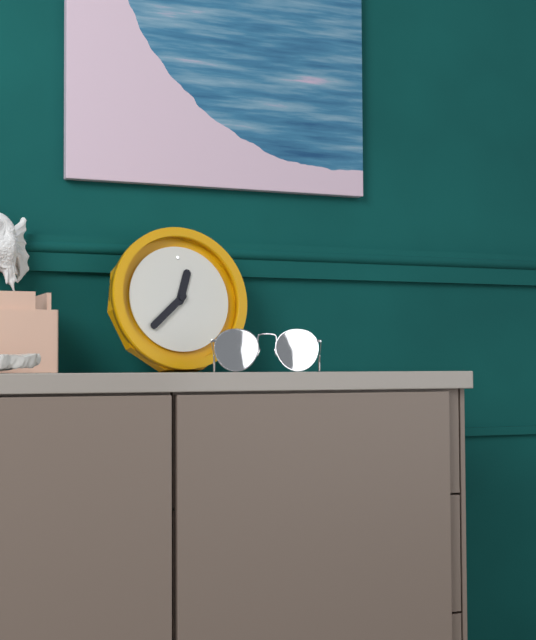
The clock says 12:38
